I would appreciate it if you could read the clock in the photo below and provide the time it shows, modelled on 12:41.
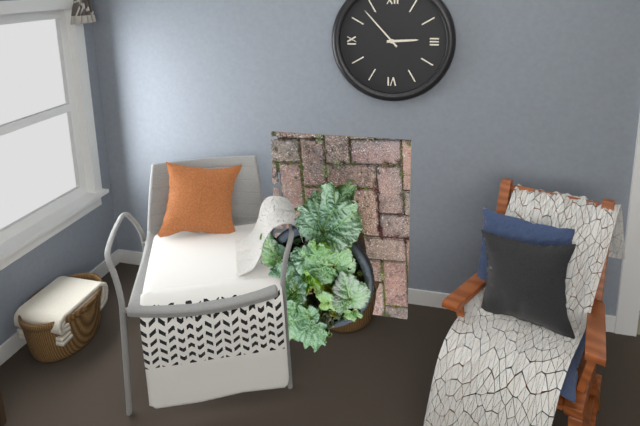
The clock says 2:53
